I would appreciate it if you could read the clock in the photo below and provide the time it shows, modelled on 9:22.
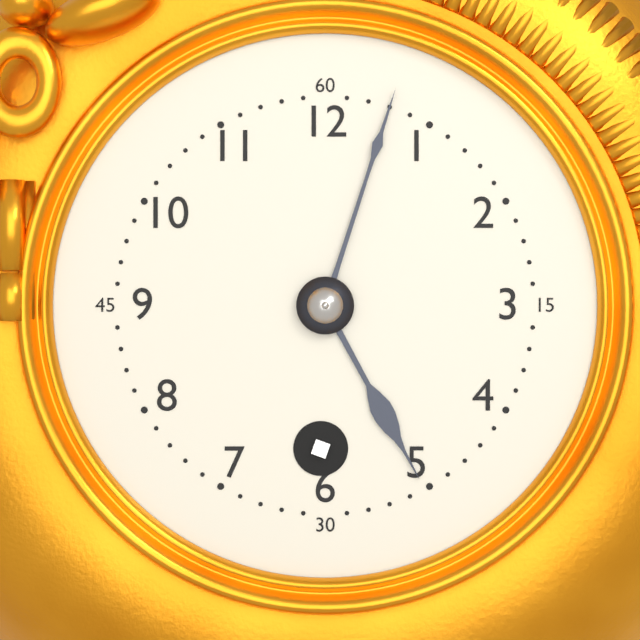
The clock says 5:03
